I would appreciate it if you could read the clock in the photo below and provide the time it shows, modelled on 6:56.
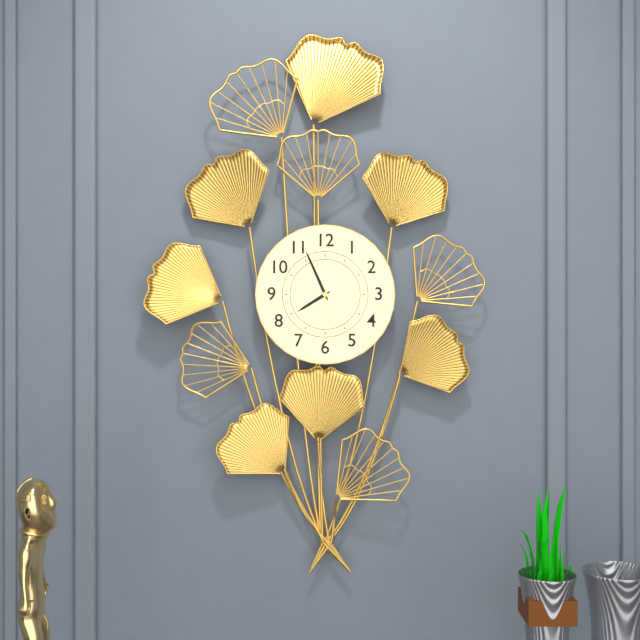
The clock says 7:56
